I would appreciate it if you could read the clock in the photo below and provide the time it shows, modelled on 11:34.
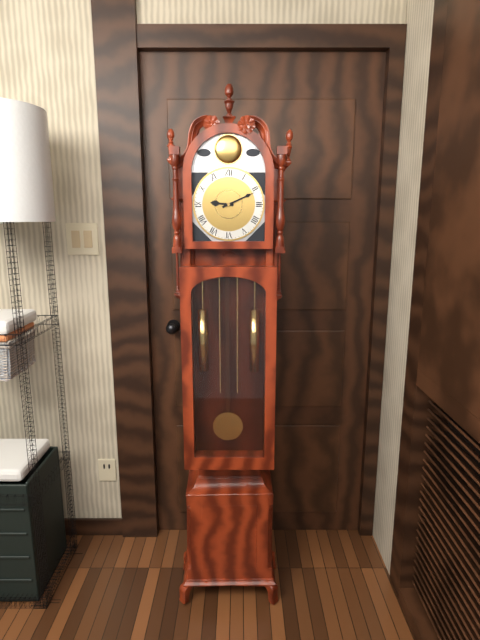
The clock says 9:11
